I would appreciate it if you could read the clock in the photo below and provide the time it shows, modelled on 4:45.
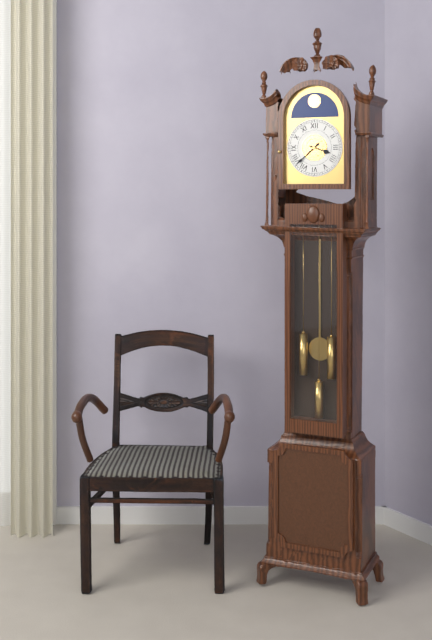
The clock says 3:38
